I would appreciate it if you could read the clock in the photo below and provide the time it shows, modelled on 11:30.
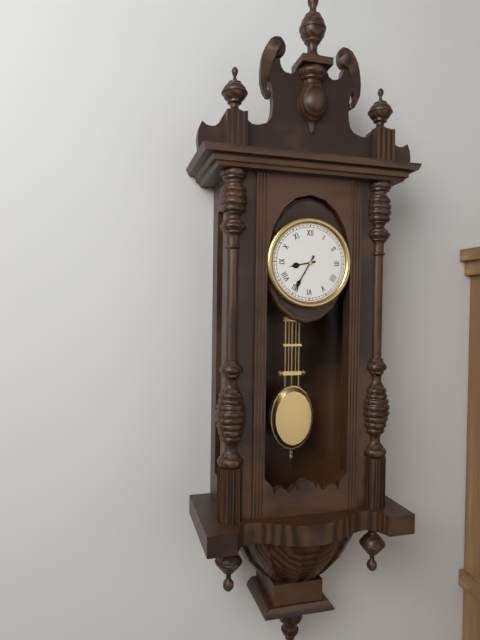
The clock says 8:35
